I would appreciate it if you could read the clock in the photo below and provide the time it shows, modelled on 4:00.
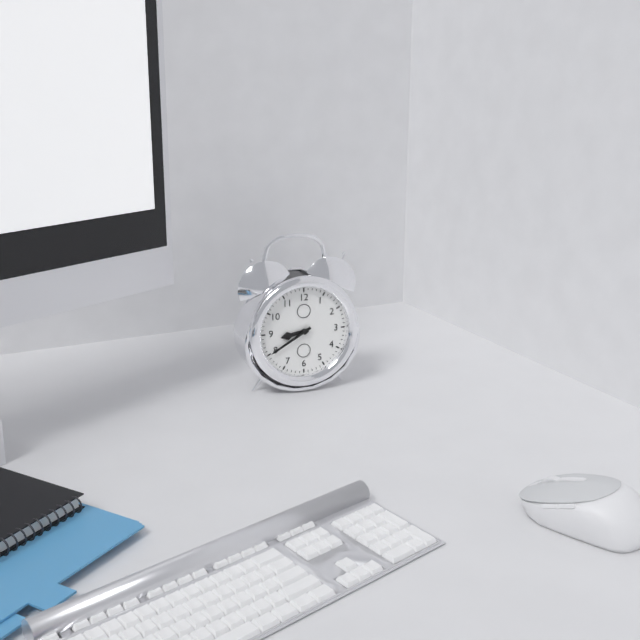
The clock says 8:40
